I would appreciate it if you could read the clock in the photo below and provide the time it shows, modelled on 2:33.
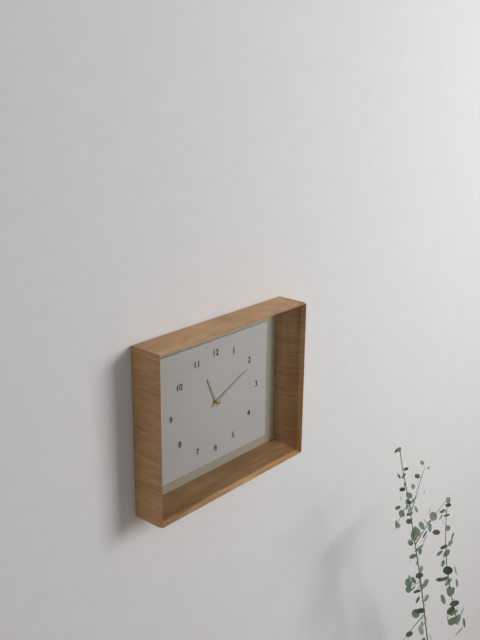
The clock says 11:11
